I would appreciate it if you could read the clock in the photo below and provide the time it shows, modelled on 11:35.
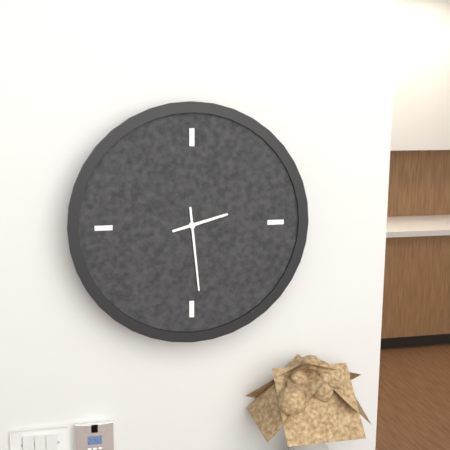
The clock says 2:29
